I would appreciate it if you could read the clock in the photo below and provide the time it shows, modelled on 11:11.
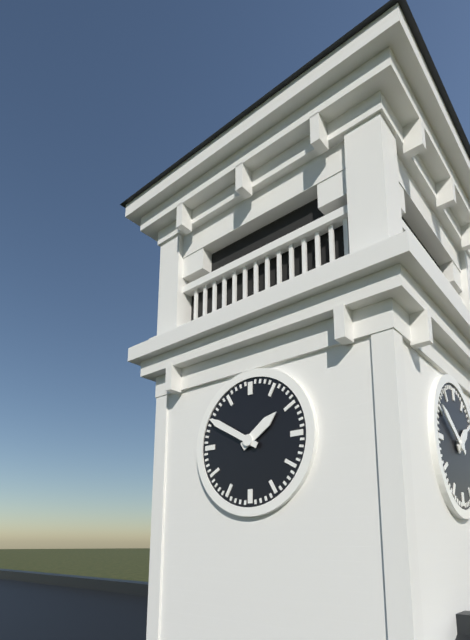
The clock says 1:50
